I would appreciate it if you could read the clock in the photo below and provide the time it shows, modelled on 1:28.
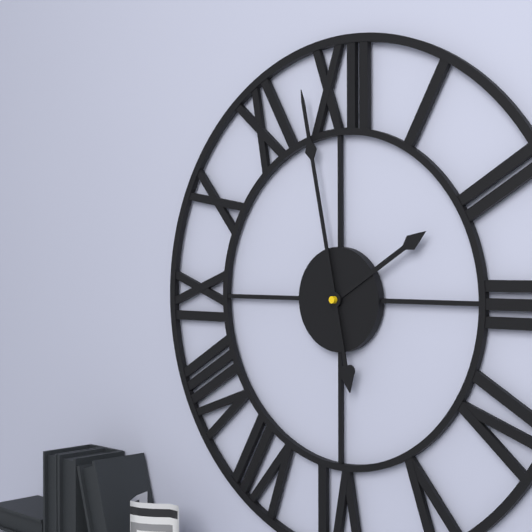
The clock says 1:58
